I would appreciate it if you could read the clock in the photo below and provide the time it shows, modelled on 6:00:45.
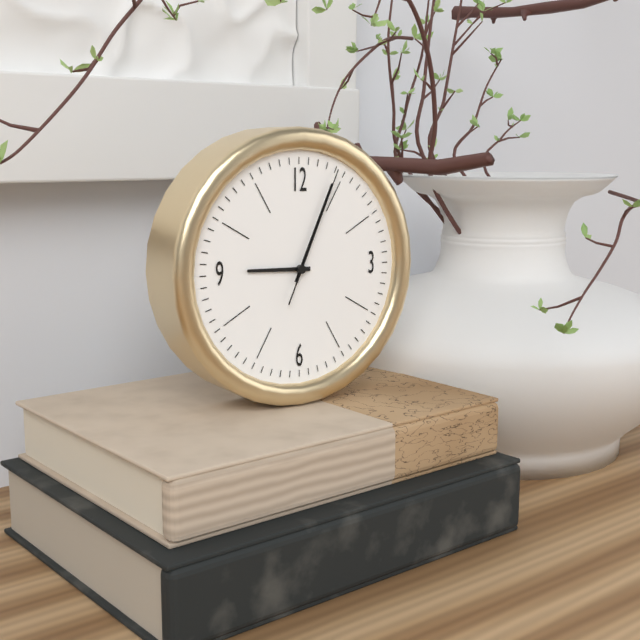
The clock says 9:04:04
